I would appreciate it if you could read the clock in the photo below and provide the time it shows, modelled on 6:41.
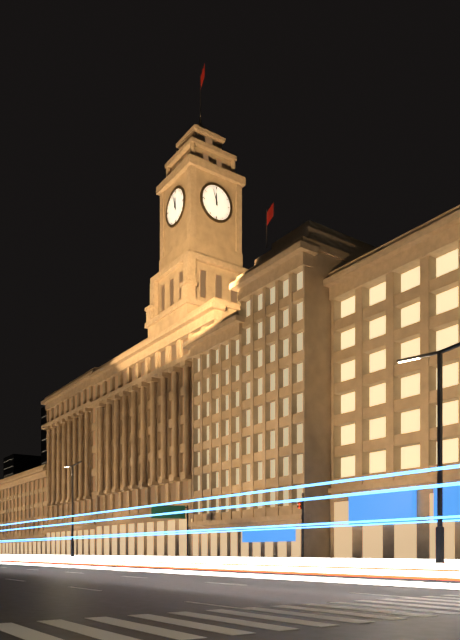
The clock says 11:57
